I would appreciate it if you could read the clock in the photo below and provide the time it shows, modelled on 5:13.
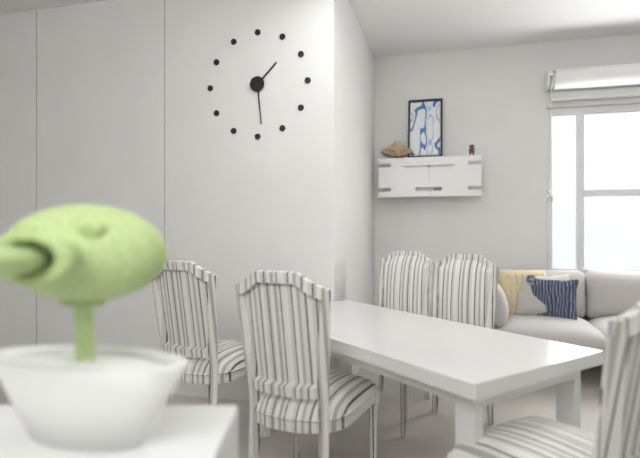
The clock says 1:29
